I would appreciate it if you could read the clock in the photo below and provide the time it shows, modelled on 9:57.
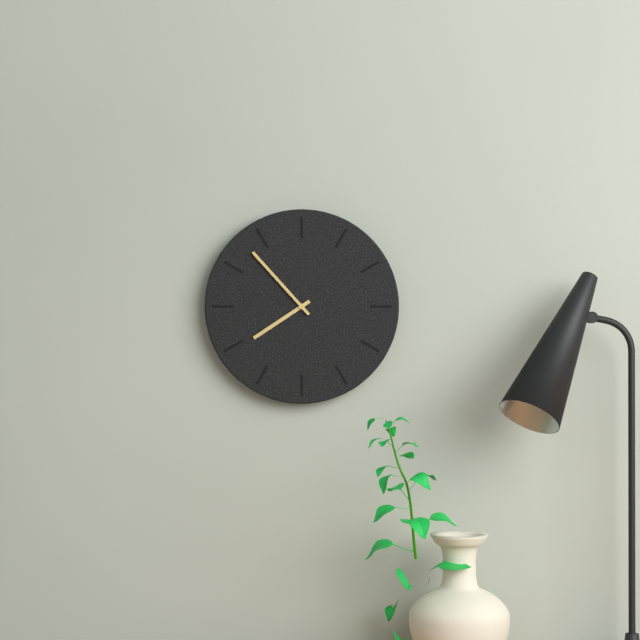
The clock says 7:53
